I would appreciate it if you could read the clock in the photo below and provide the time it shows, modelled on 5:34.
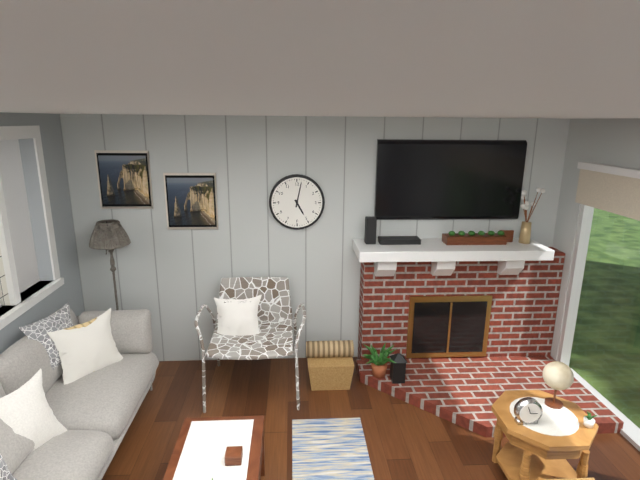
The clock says 5:02
